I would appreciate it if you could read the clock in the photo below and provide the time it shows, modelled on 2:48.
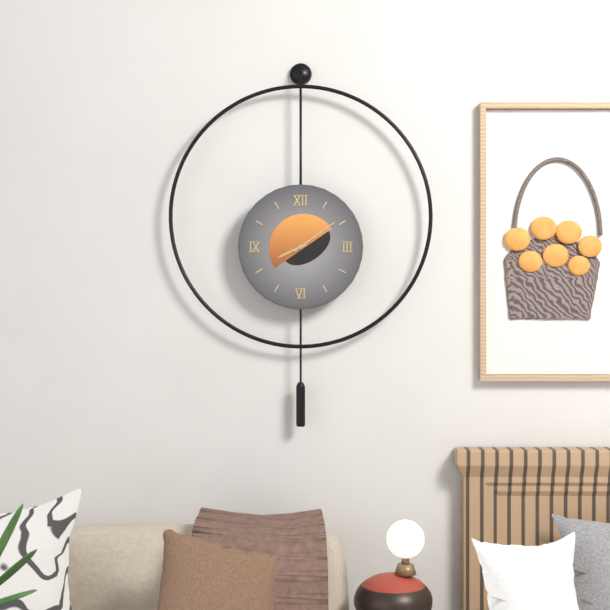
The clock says 8:09
